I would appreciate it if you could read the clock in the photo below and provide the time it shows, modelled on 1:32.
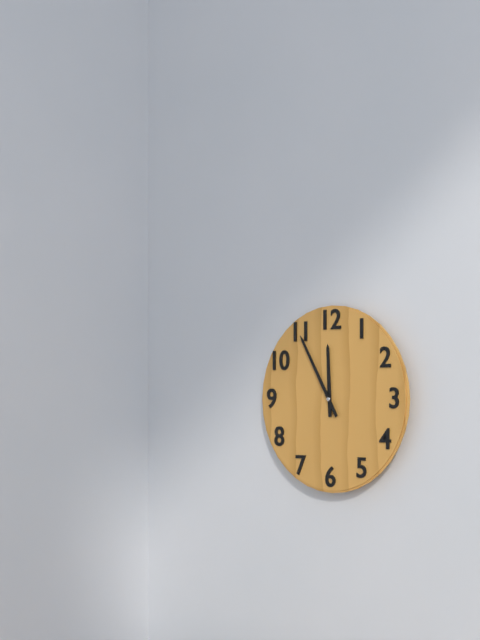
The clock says 11:55
